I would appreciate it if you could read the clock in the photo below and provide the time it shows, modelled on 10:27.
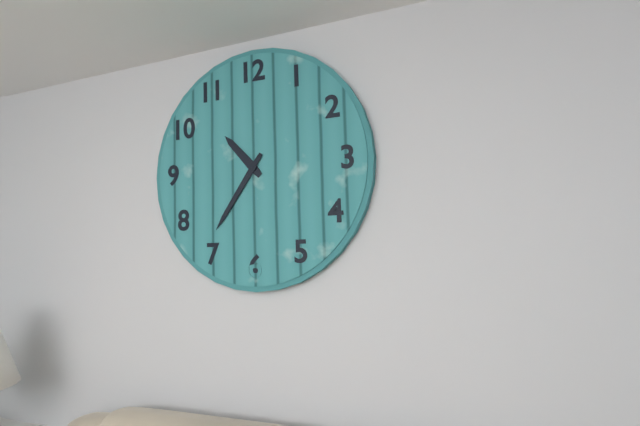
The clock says 10:36
